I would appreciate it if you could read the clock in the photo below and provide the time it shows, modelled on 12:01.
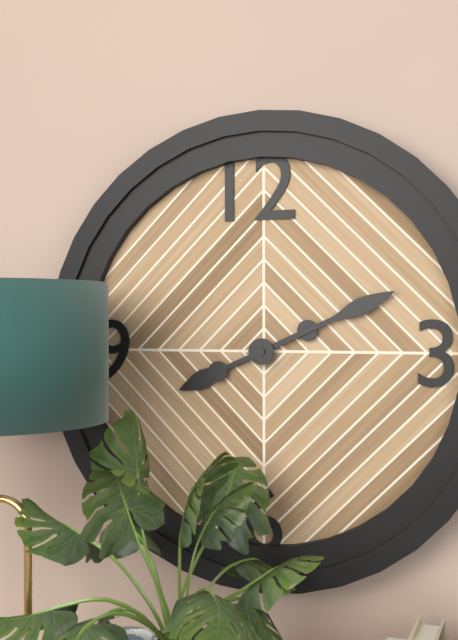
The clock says 8:11
